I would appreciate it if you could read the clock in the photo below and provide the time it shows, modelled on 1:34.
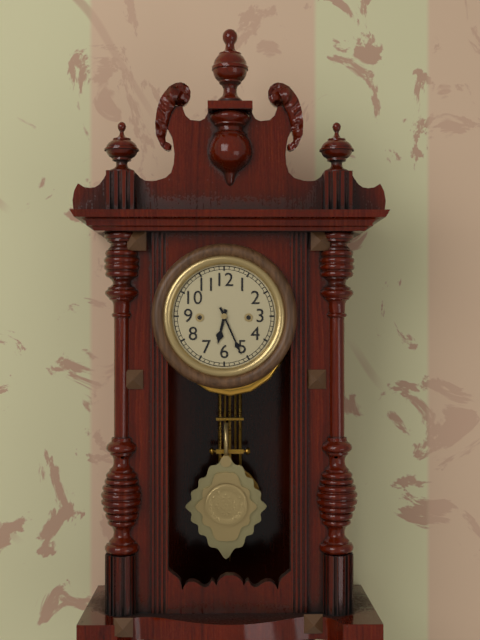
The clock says 6:26
